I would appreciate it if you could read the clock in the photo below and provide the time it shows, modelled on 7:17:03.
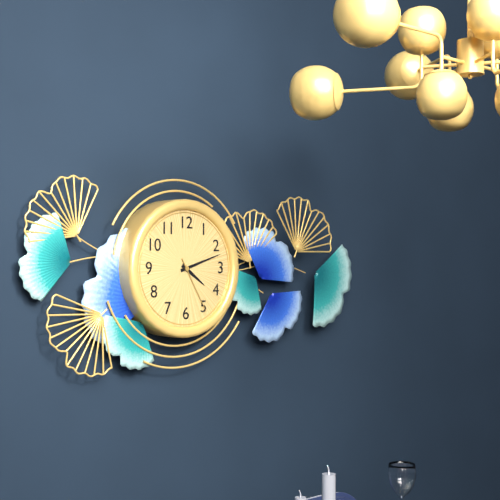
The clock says 4:12:25
